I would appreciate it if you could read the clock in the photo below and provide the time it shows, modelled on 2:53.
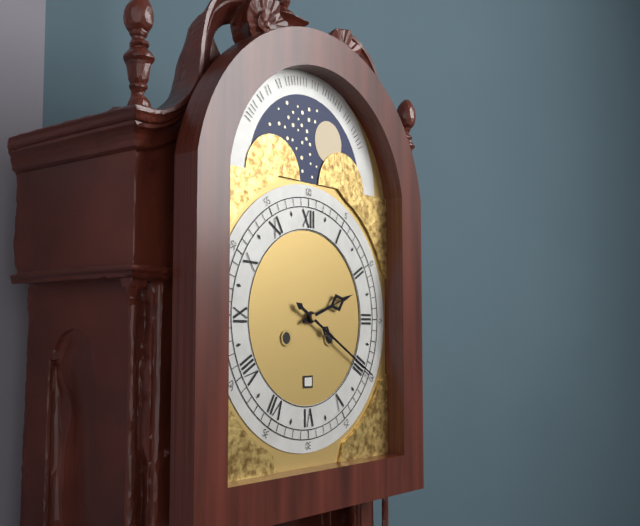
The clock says 2:20
